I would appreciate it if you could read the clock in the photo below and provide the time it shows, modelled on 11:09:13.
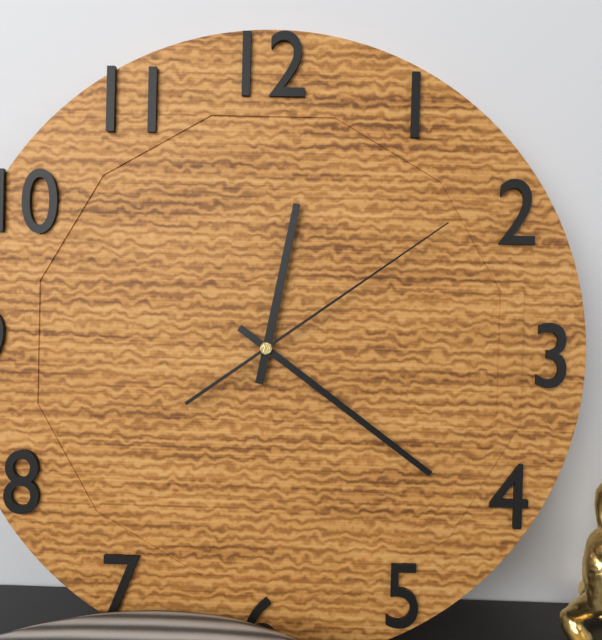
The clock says 12:21:09
